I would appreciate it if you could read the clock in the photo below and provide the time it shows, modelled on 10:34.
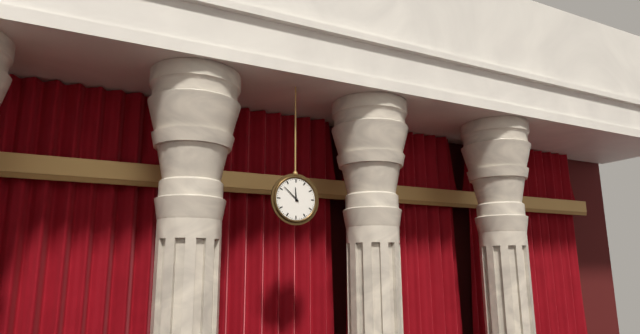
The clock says 11:52
